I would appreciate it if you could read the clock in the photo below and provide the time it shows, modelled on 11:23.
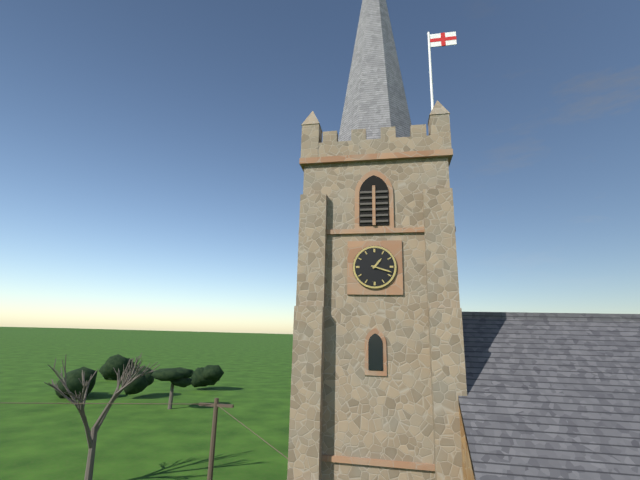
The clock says 1:18
